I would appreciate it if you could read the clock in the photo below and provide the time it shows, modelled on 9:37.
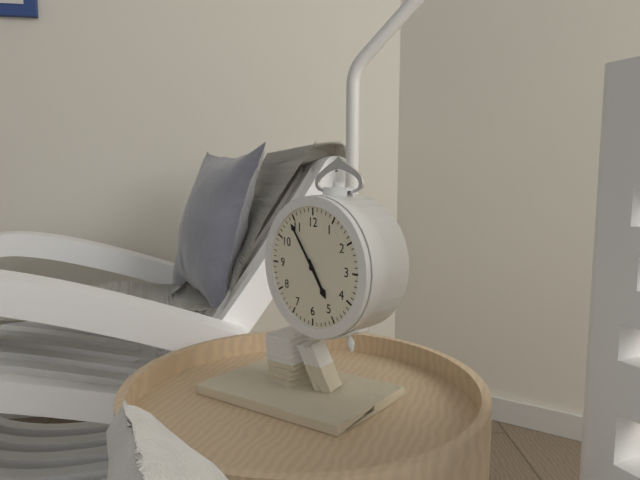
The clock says 4:54
